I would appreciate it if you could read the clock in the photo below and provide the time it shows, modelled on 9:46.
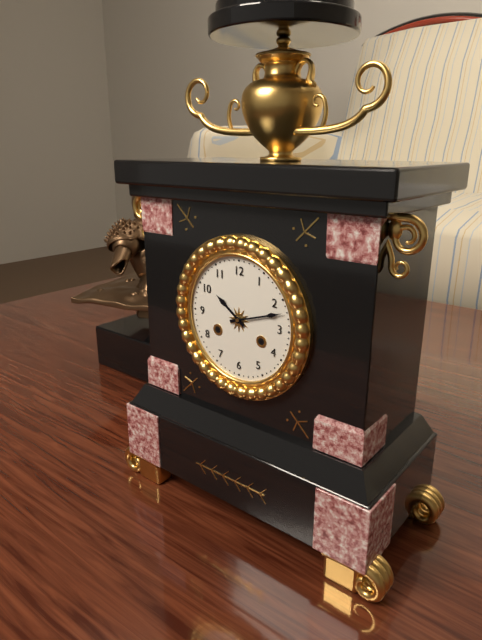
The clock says 10:12
